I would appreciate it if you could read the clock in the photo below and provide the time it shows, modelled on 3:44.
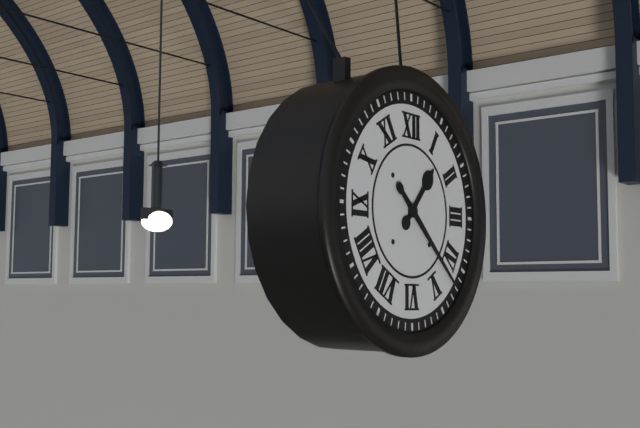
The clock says 1:22
